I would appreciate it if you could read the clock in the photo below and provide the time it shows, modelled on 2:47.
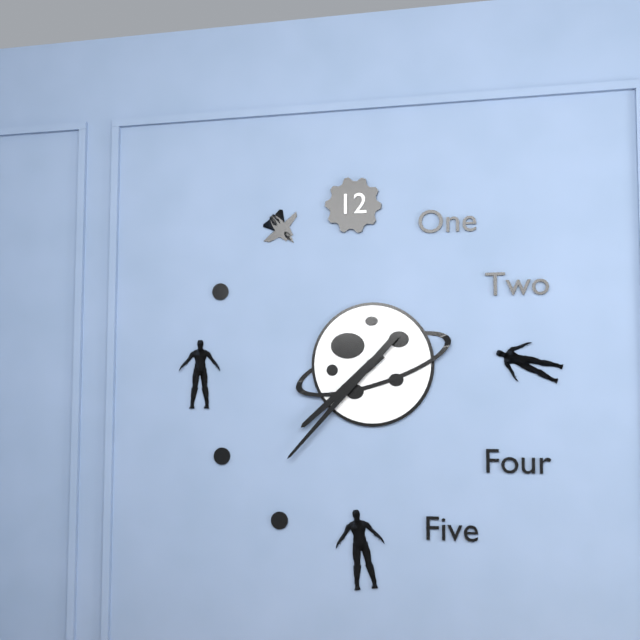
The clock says 7:37
